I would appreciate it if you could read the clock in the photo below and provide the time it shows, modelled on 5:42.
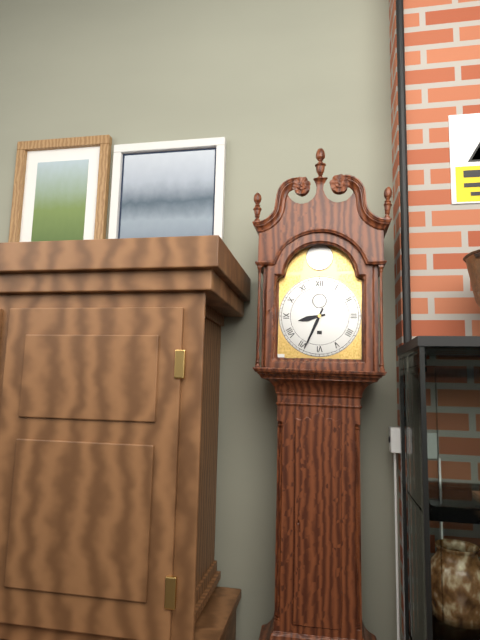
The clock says 8:34
